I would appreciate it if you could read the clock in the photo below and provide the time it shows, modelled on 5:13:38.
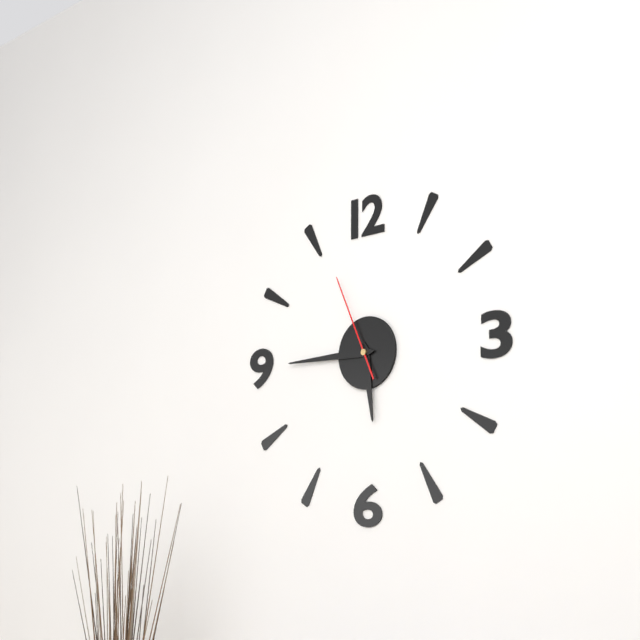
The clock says 5:45:56
